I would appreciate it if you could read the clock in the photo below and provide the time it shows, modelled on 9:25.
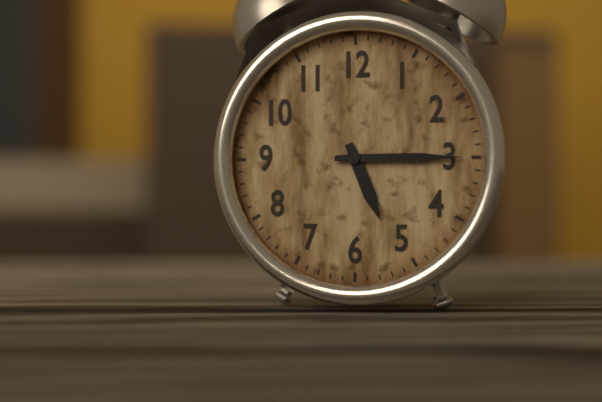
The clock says 5:15
